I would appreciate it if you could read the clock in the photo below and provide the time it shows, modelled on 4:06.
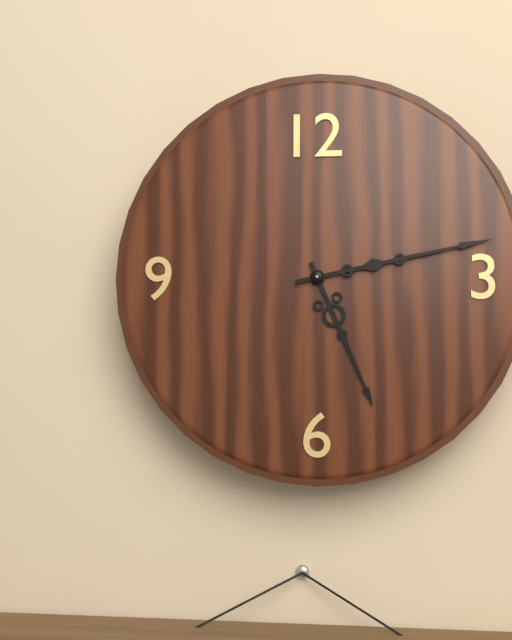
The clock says 5:13
